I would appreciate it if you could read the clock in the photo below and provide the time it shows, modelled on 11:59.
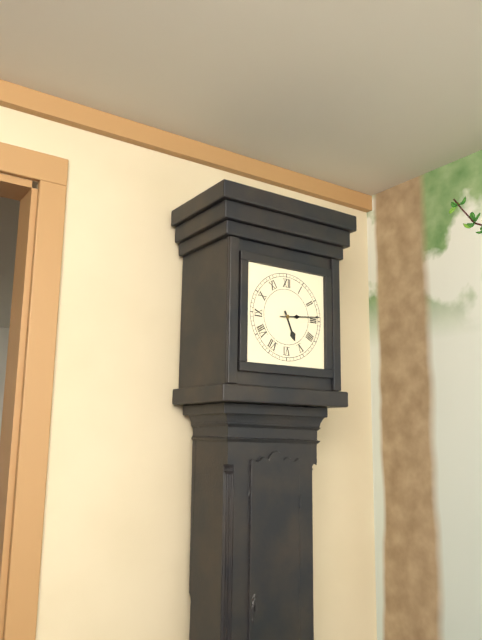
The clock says 5:14
